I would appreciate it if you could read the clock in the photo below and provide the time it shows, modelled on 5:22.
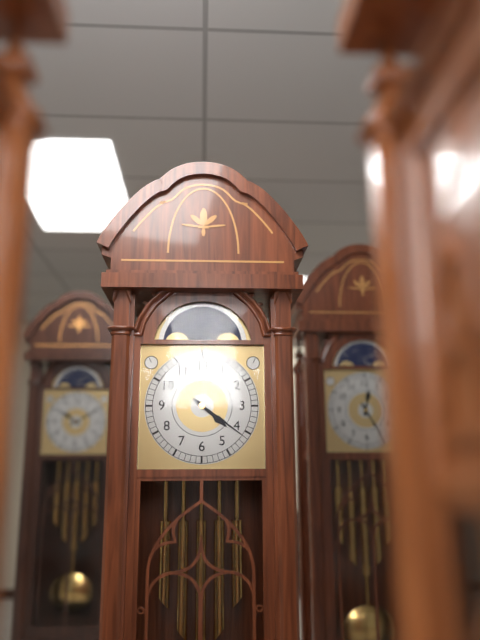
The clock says 4:21
